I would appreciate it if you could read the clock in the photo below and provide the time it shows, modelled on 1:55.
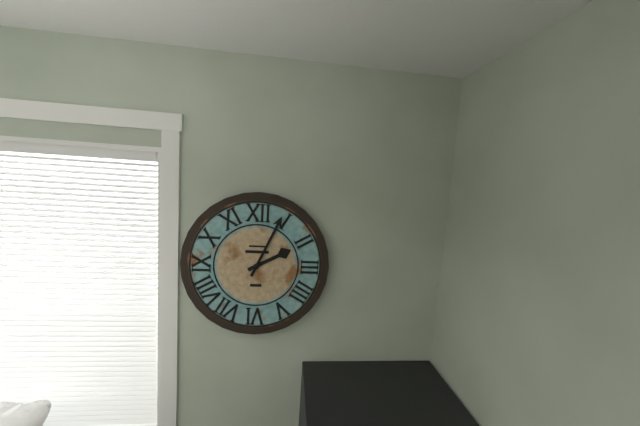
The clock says 2:04
